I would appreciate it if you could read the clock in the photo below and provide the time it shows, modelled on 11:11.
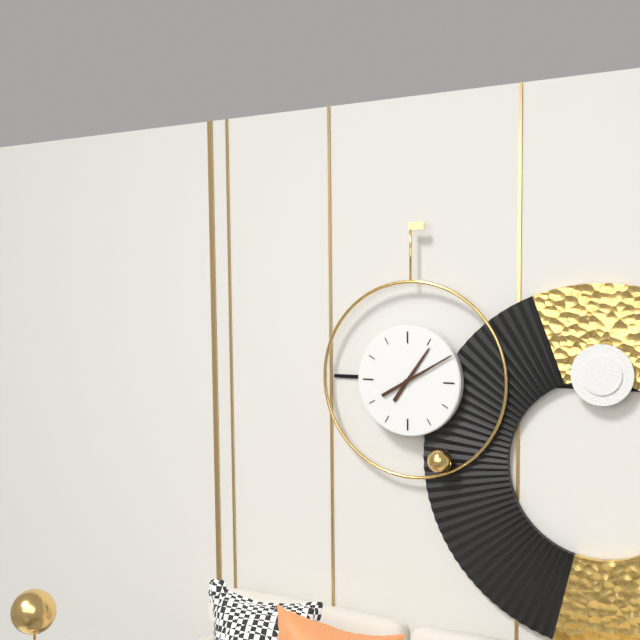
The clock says 1:10
